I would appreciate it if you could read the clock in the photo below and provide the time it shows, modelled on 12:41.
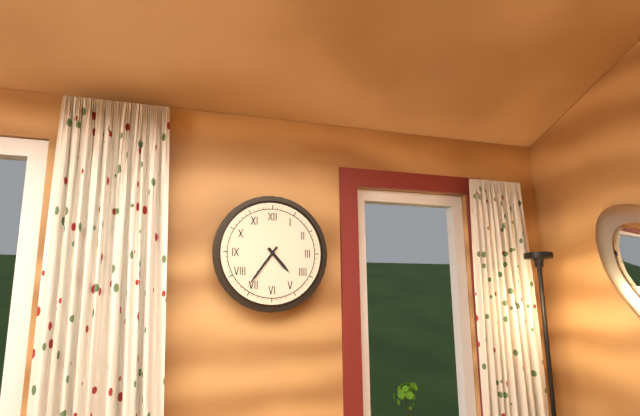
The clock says 4:36
